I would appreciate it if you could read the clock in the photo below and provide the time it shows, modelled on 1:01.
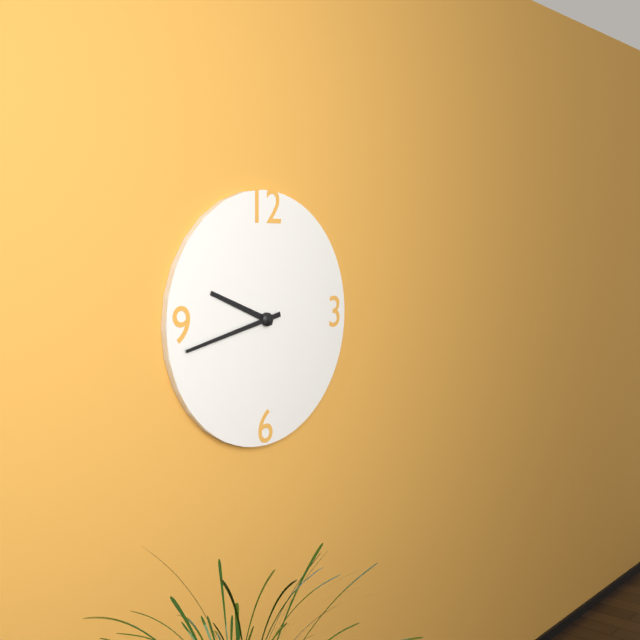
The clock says 9:43
